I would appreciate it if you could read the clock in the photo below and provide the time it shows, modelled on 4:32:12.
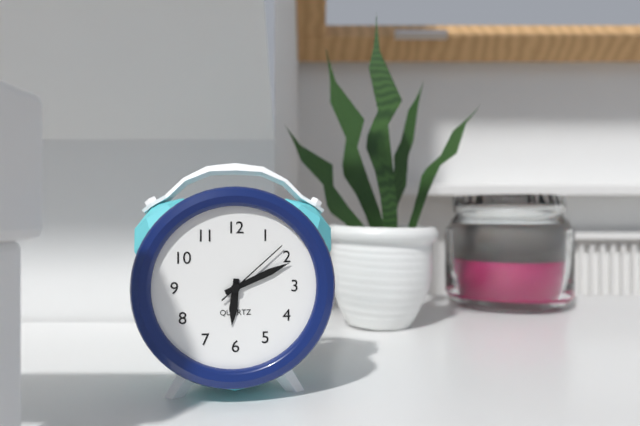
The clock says 6:11:08
